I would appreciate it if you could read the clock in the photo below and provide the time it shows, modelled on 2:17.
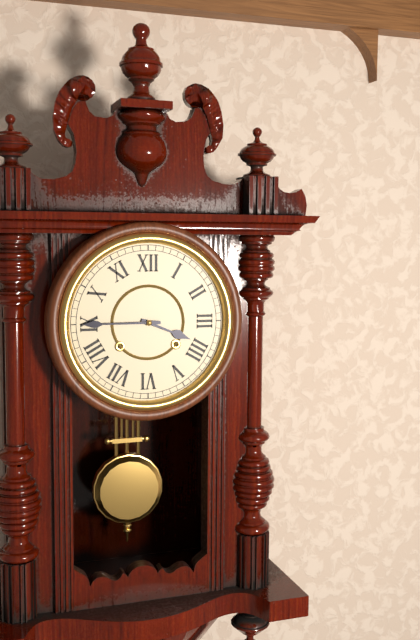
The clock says 3:45
